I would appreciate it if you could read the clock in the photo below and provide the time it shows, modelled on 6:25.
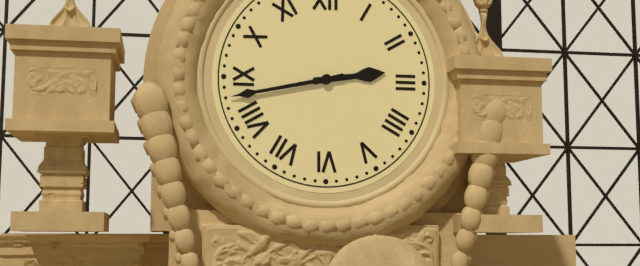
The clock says 2:43
